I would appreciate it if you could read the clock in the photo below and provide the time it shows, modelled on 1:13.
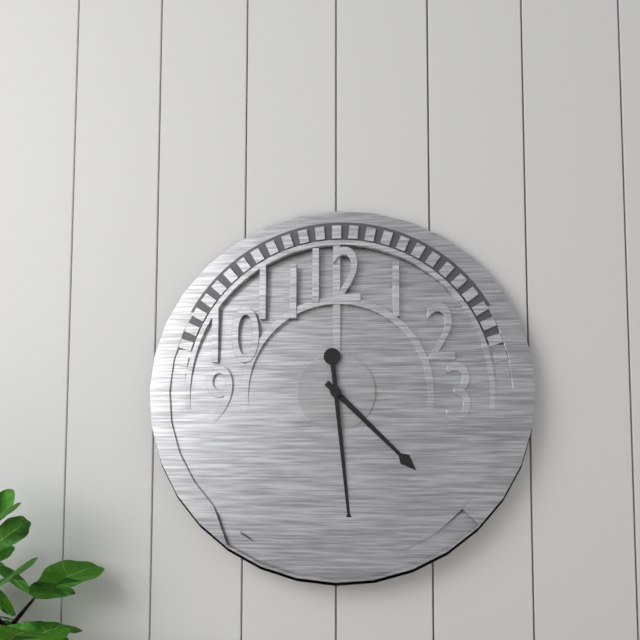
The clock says 4:29
